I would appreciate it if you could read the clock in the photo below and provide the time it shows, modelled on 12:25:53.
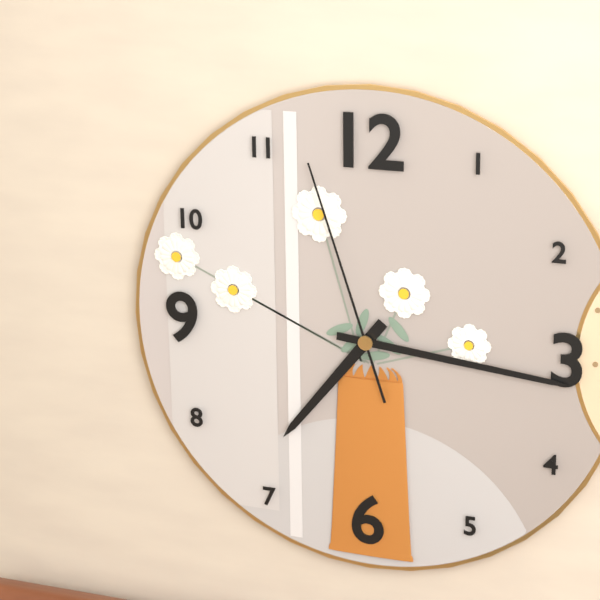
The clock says 7:16:57
